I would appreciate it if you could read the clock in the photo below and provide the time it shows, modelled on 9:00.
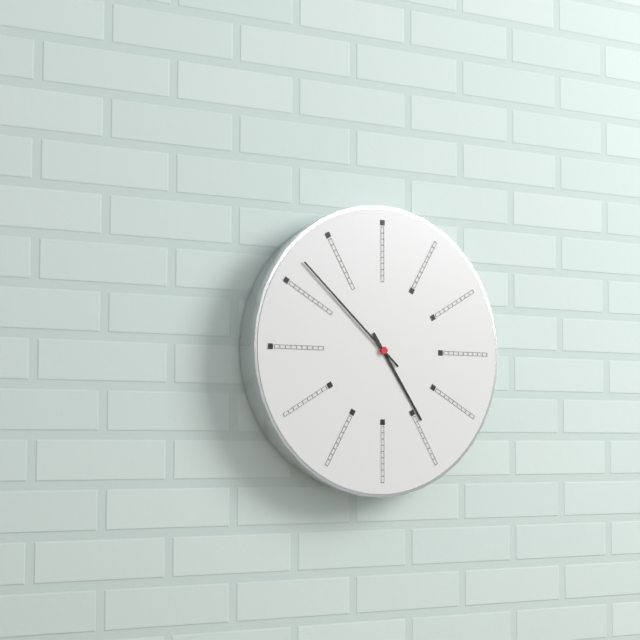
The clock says 4:52
